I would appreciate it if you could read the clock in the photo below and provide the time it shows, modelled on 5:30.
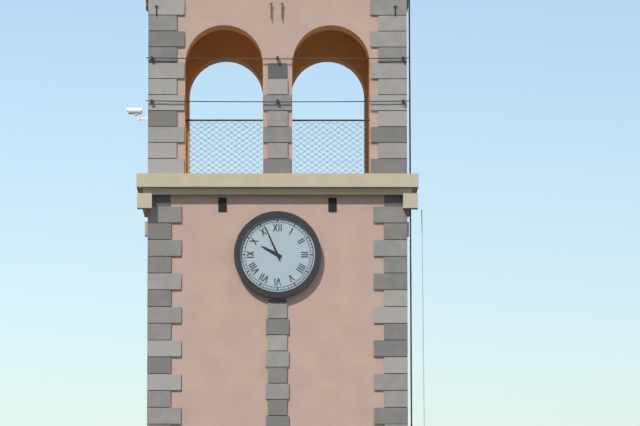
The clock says 9:56
